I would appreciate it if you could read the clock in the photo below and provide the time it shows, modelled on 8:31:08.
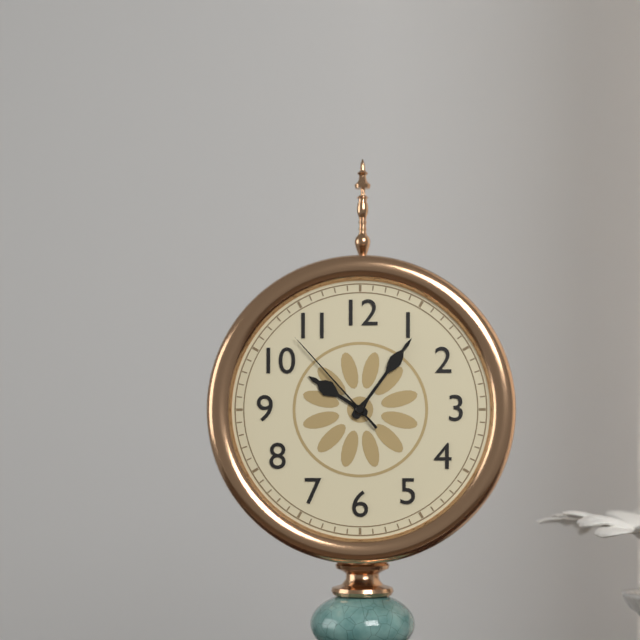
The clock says 10:06:53
